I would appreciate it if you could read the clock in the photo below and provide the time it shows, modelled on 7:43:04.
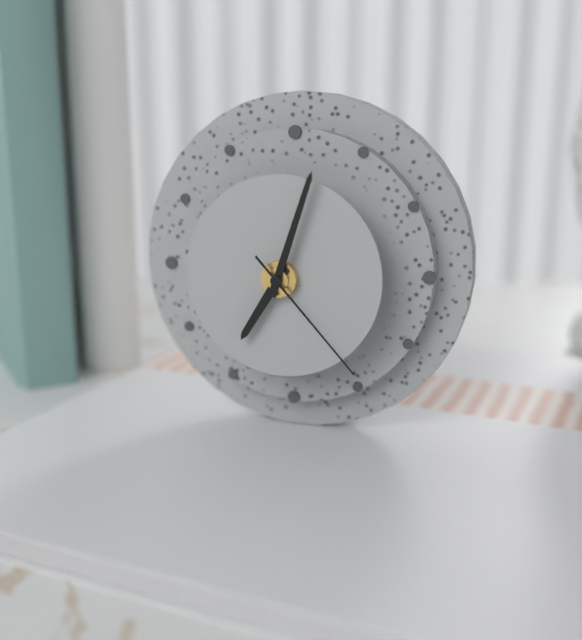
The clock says 7:03:23
